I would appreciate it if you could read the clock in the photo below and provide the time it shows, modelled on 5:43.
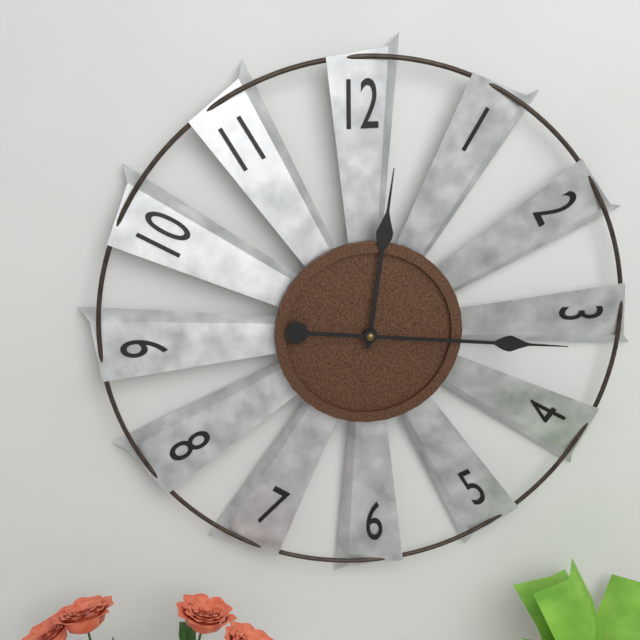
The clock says 12:16
